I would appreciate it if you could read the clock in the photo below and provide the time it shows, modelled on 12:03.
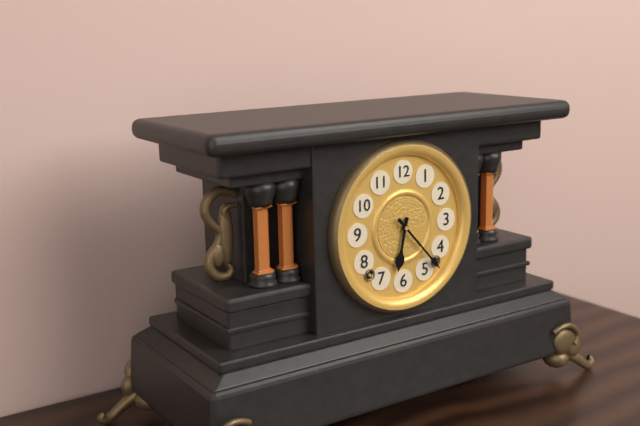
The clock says 6:23
